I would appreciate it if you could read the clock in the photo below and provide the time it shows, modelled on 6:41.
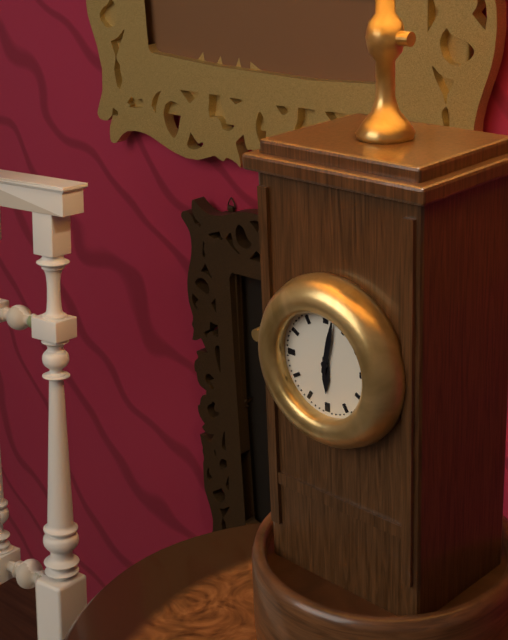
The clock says 6:02
